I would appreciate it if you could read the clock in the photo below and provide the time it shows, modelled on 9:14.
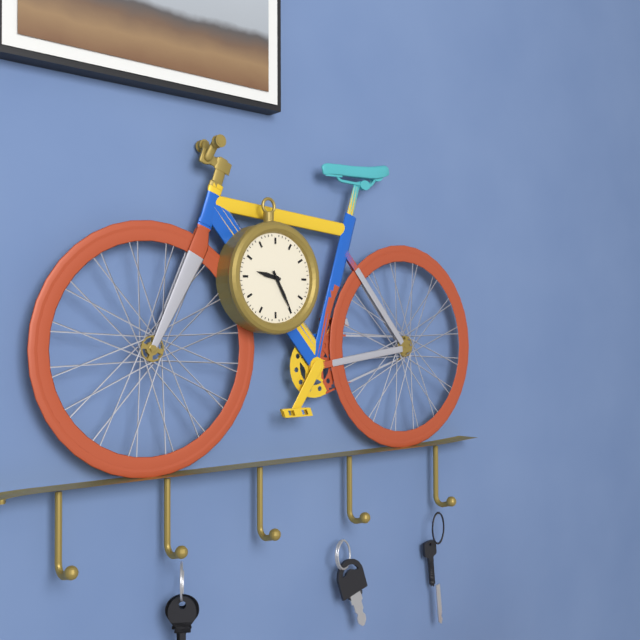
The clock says 9:25
